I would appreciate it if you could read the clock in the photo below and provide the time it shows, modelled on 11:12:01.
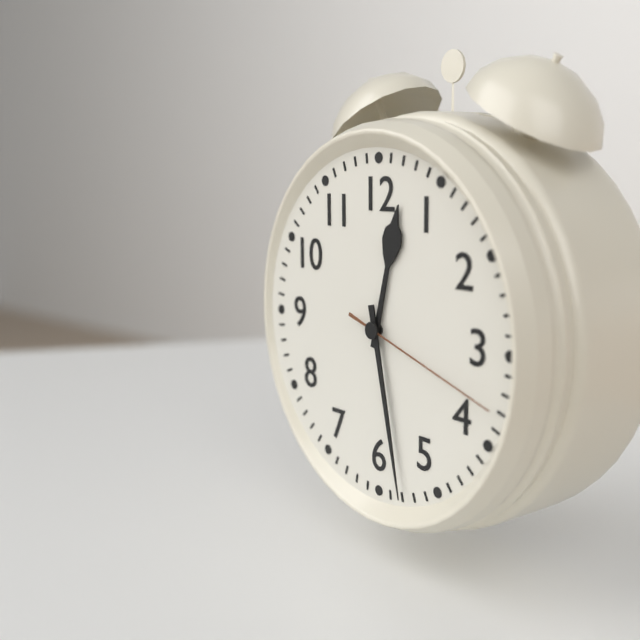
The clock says 12:28:18
